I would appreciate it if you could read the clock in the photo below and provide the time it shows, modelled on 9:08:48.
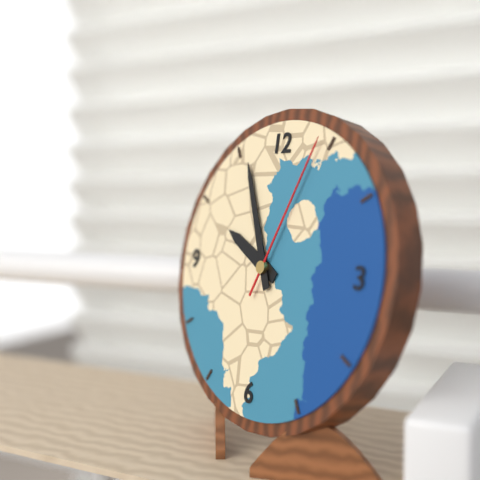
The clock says 9:56:04
